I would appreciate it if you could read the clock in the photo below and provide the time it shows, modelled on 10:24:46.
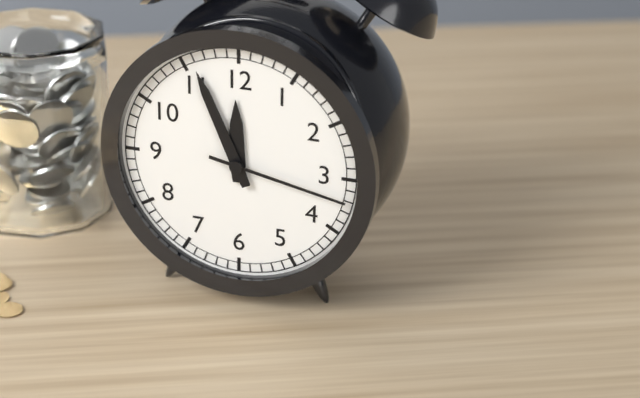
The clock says 11:56:17
